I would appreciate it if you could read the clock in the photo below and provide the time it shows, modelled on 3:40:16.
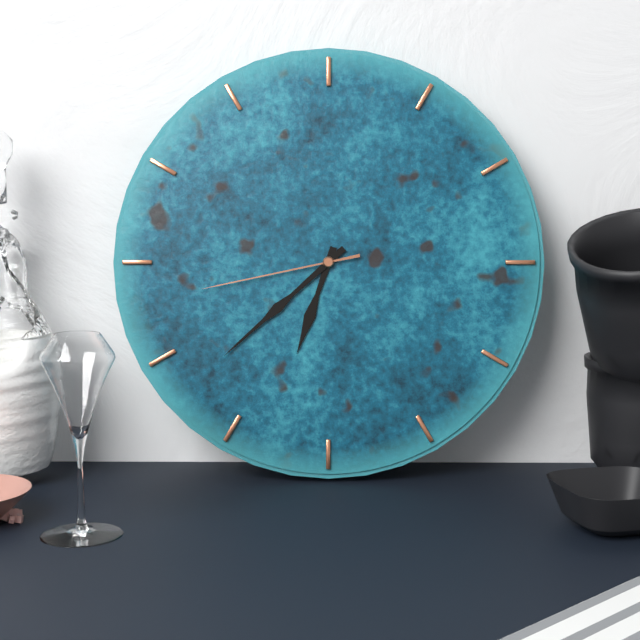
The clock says 6:38:43
